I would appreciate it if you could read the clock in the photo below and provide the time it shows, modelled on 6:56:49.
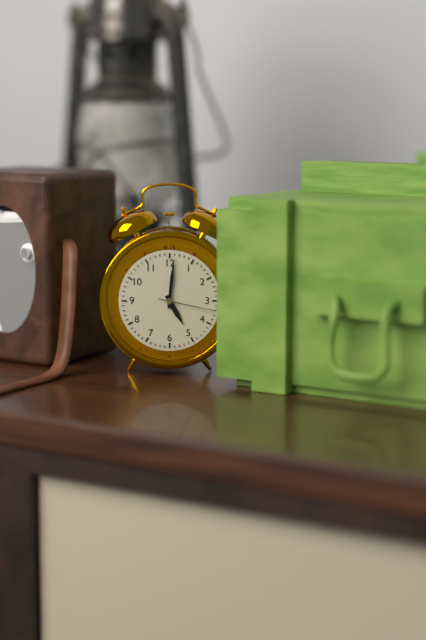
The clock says 5:01:17
